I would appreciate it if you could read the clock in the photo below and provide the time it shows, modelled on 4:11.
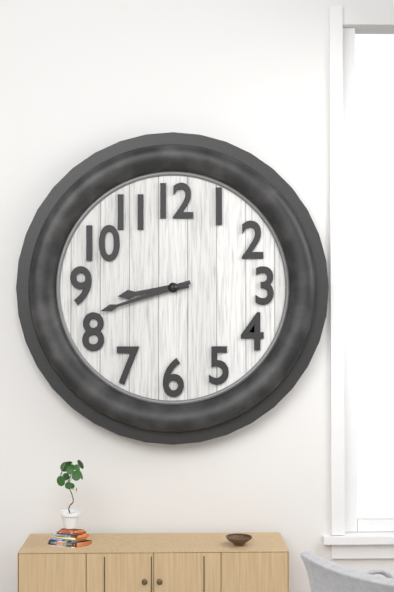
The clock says 8:42
